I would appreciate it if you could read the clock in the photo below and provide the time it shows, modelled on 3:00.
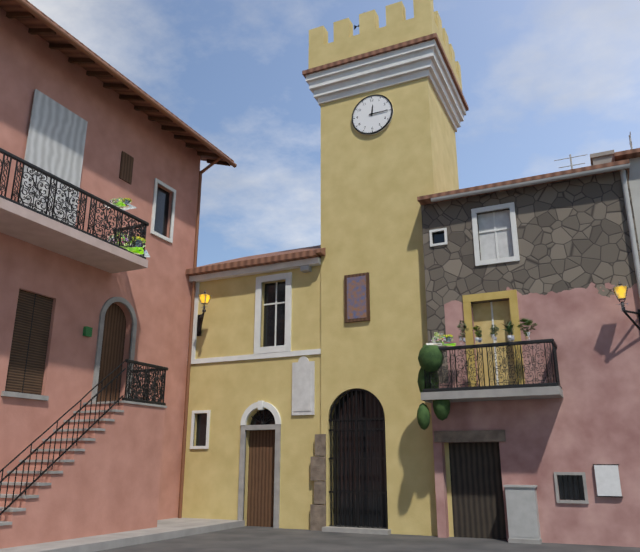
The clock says 12:15
